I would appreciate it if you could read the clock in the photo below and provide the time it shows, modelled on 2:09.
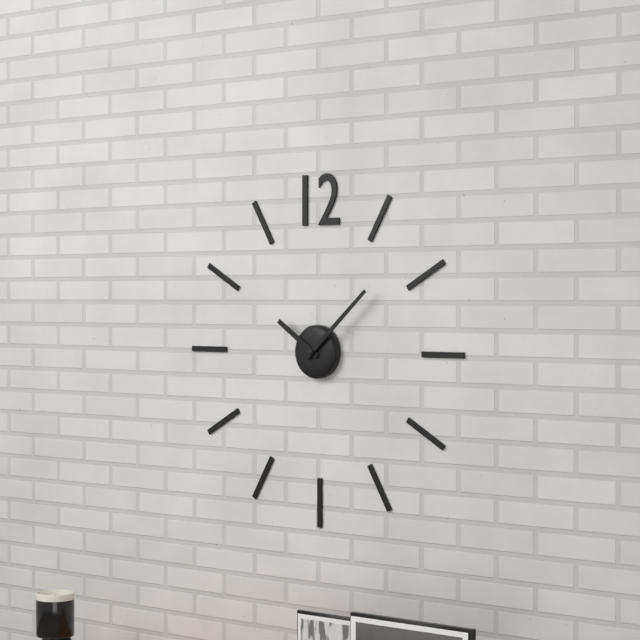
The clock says 10:08
